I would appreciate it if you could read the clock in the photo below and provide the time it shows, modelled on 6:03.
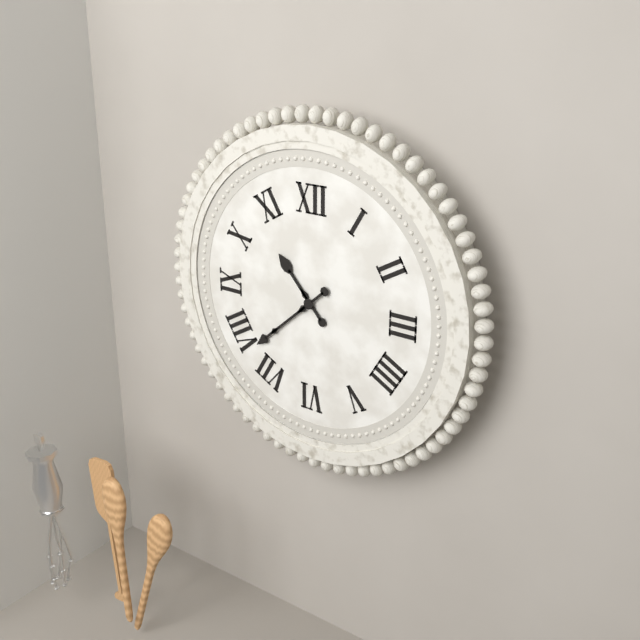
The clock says 10:38
